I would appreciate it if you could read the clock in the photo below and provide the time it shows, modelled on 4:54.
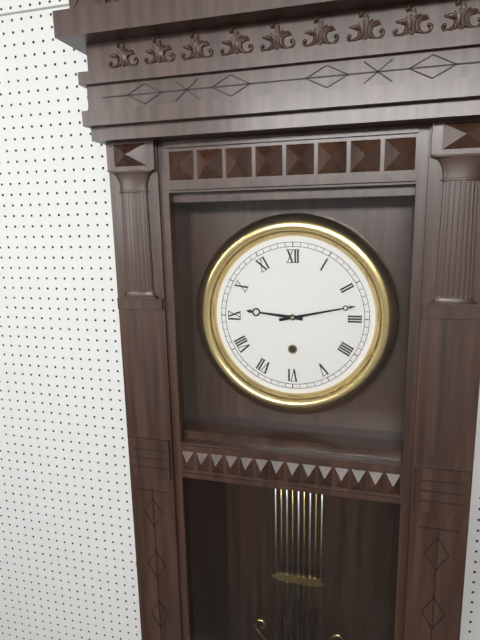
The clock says 9:13
